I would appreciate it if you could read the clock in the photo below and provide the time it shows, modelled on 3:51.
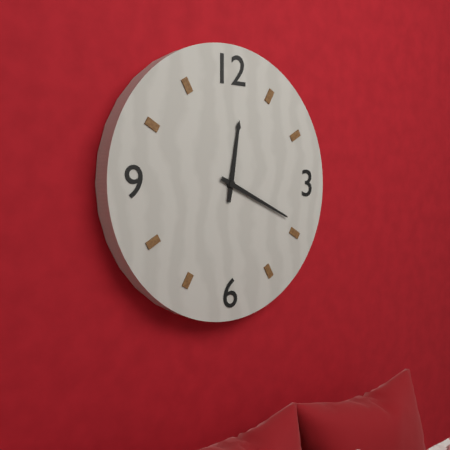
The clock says 12:19
